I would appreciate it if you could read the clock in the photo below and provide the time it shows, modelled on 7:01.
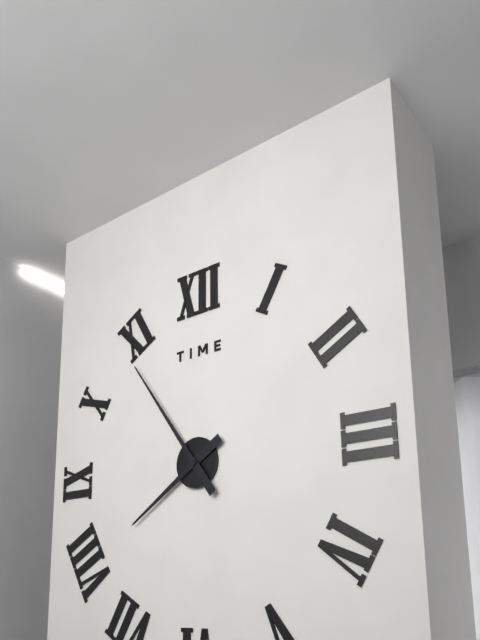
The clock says 7:54
